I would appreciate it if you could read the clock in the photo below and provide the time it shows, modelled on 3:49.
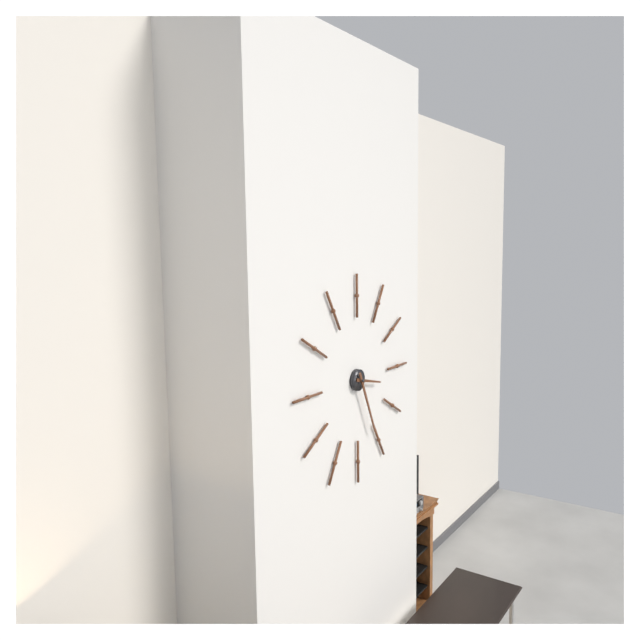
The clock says 3:26
